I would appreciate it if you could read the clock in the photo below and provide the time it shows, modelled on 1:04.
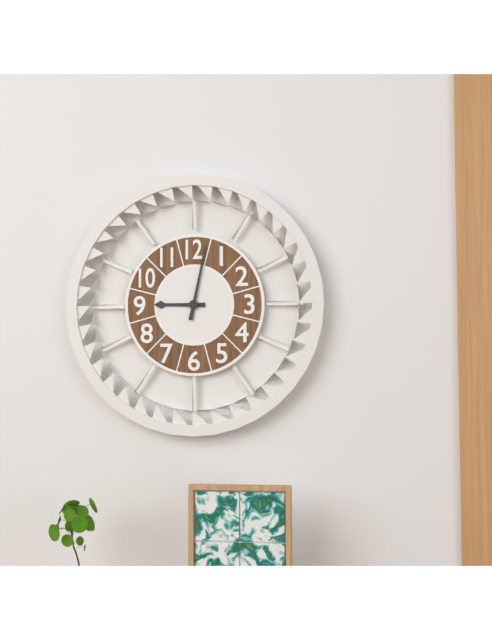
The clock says 9:02
